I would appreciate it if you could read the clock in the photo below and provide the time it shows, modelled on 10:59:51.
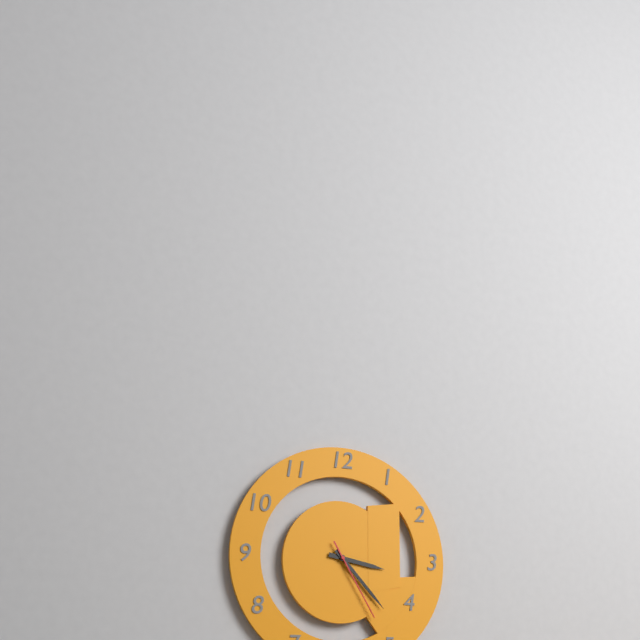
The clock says 3:23:25
